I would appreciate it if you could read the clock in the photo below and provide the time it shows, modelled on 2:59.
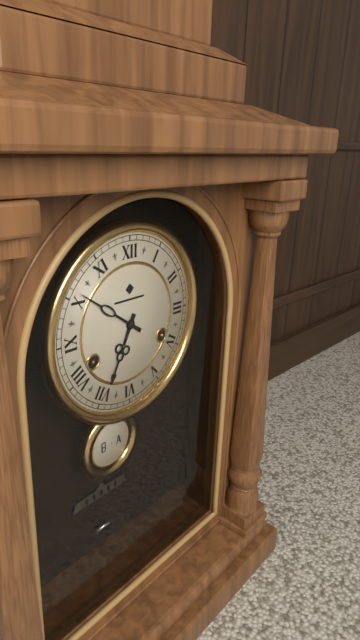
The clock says 6:51
